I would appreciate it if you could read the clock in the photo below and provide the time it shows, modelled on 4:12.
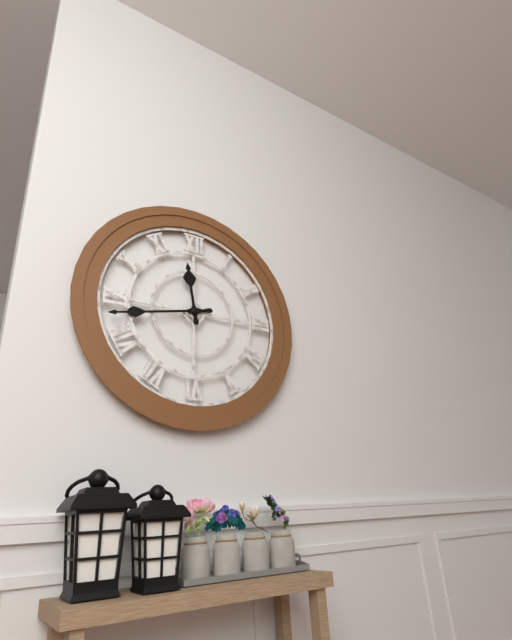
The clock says 11:43
